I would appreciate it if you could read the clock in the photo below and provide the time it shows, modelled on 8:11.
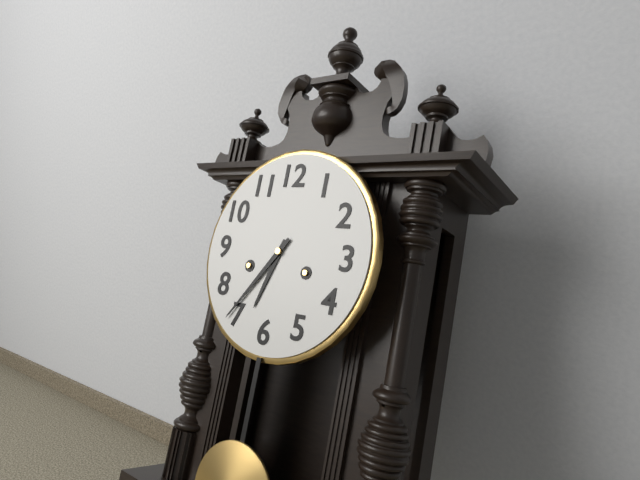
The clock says 6:36
